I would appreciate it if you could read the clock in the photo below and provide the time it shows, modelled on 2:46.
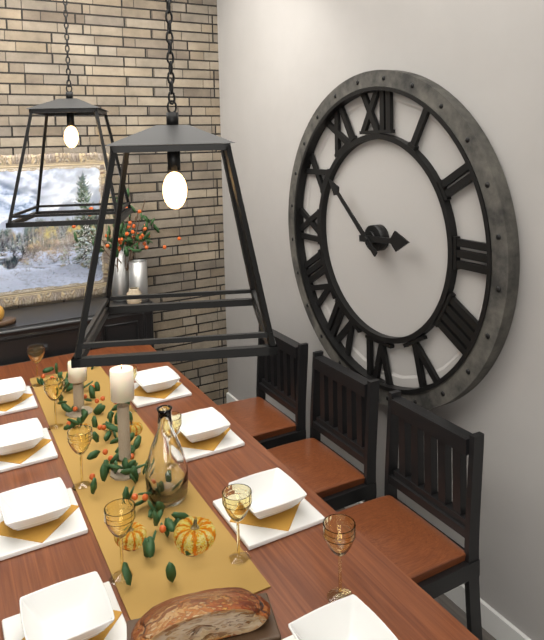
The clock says 2:52
